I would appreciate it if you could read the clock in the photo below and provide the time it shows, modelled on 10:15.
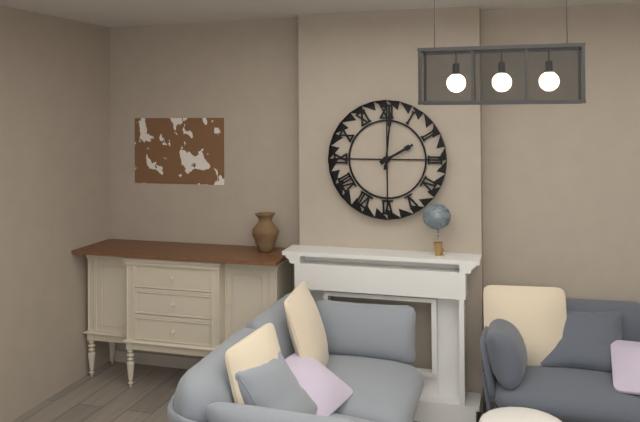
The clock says 2:01
